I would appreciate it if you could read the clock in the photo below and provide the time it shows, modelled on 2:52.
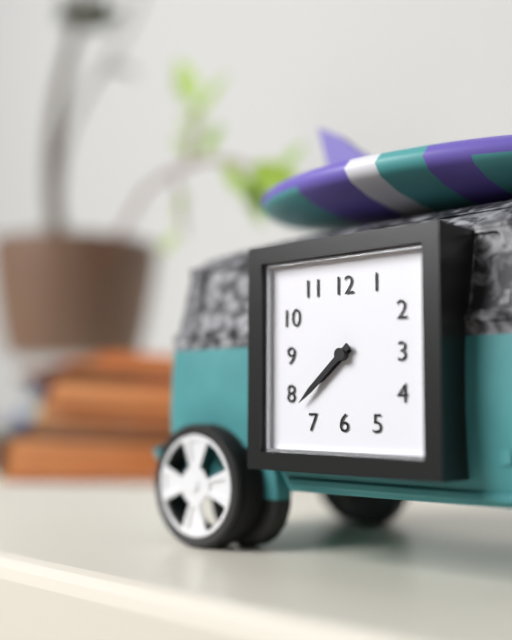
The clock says 7:38
